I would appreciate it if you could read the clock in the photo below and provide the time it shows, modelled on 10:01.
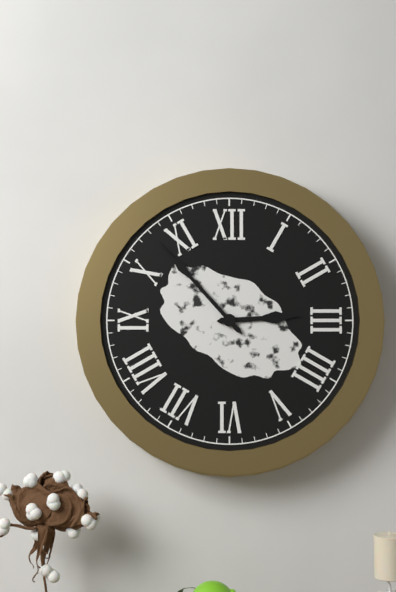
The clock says 2:53
